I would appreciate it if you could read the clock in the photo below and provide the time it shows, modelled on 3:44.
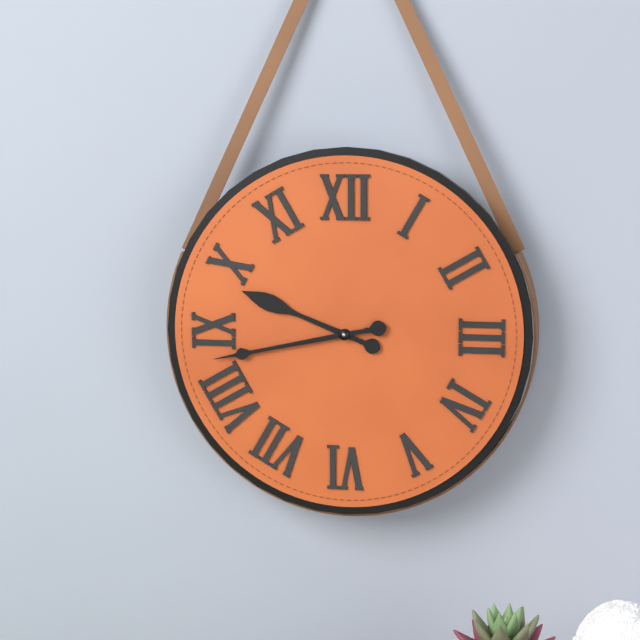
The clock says 9:43
